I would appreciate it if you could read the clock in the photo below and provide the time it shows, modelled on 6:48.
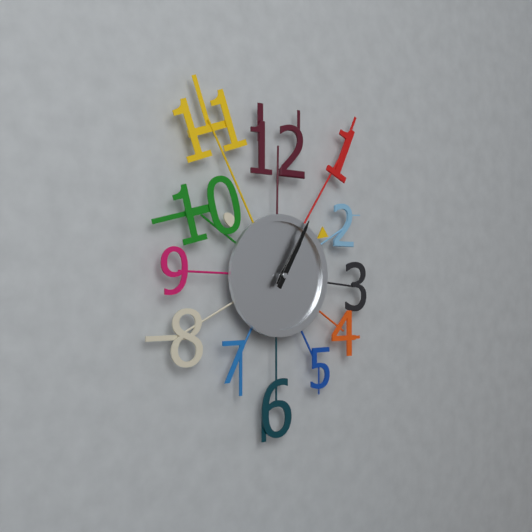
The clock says 1:05
